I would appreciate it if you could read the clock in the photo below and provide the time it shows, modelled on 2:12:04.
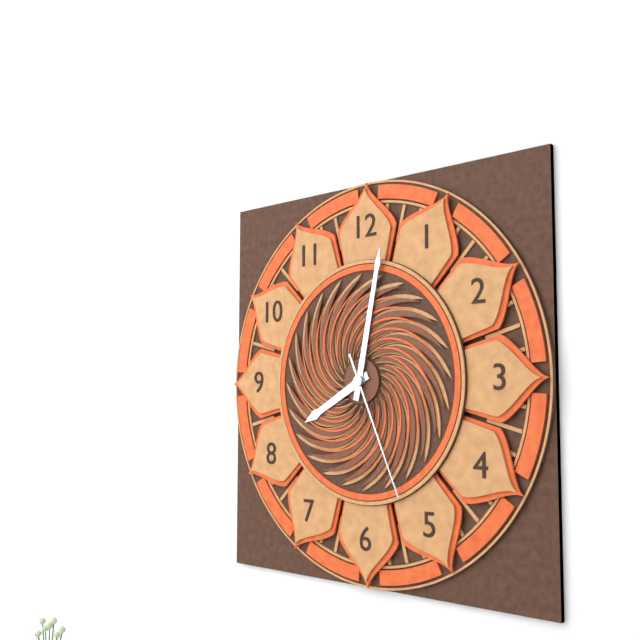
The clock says 8:02:26
